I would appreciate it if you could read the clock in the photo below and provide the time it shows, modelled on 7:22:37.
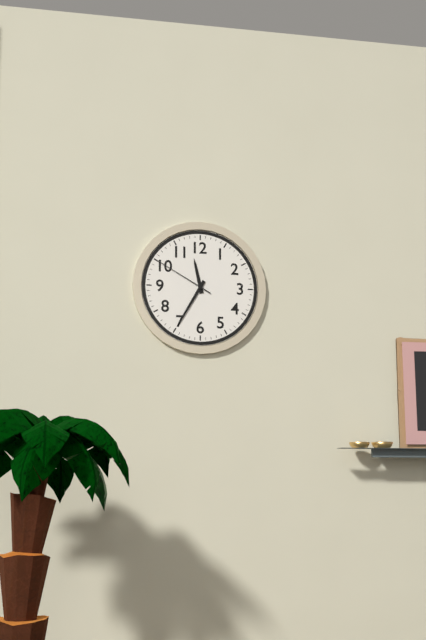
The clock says 11:35:50
